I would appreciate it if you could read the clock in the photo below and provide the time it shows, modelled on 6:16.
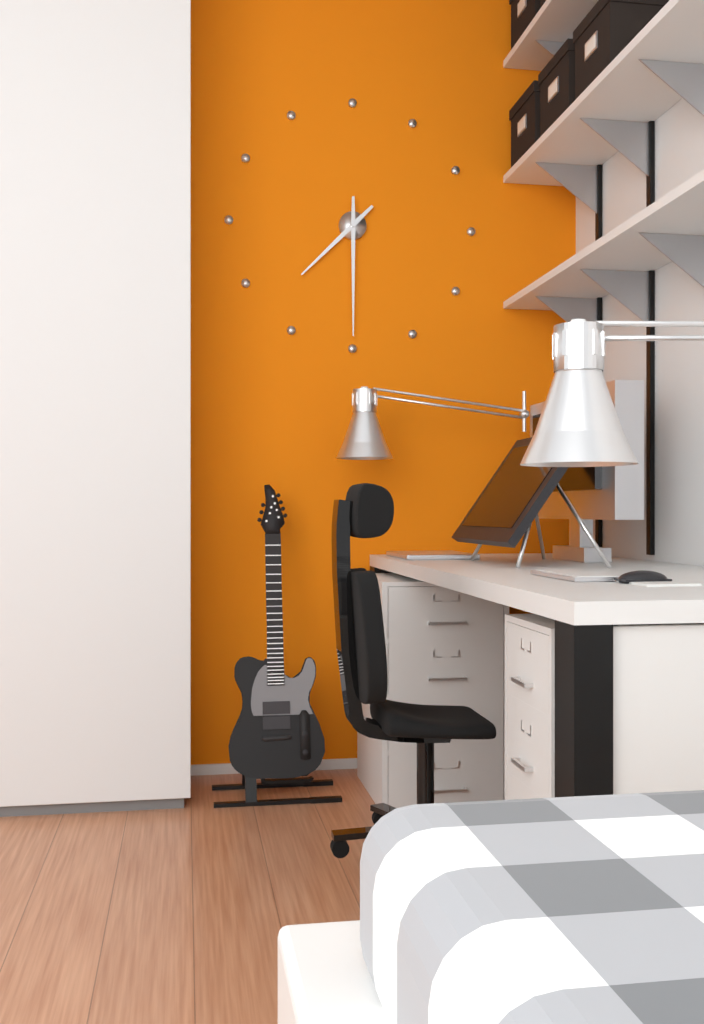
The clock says 7:30
